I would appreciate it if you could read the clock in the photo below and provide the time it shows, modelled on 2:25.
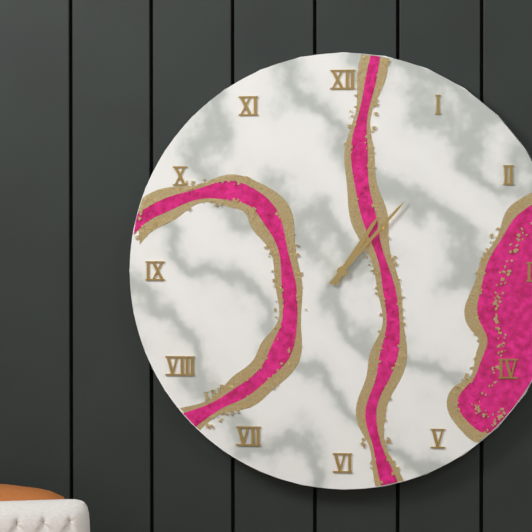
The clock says 1:07
